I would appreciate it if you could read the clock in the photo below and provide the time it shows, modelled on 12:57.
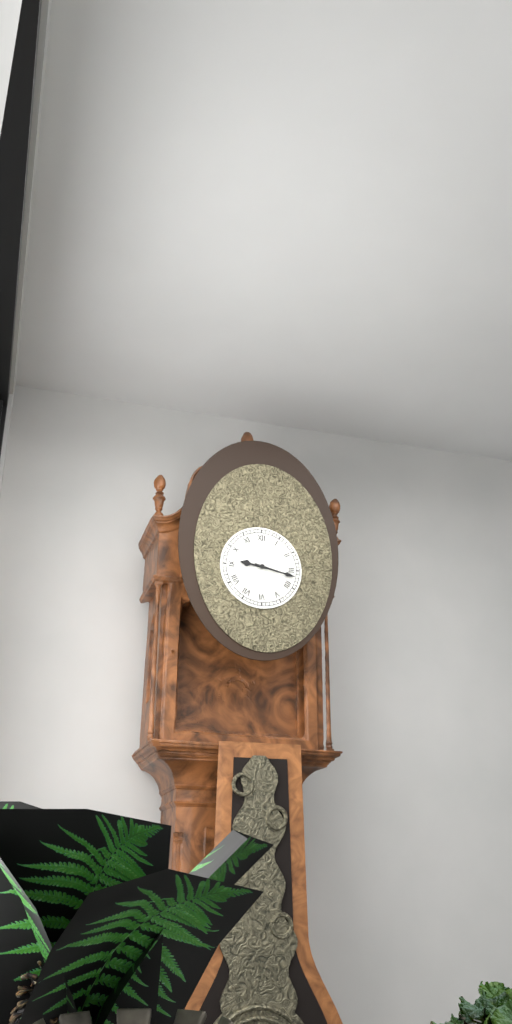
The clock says 9:17
